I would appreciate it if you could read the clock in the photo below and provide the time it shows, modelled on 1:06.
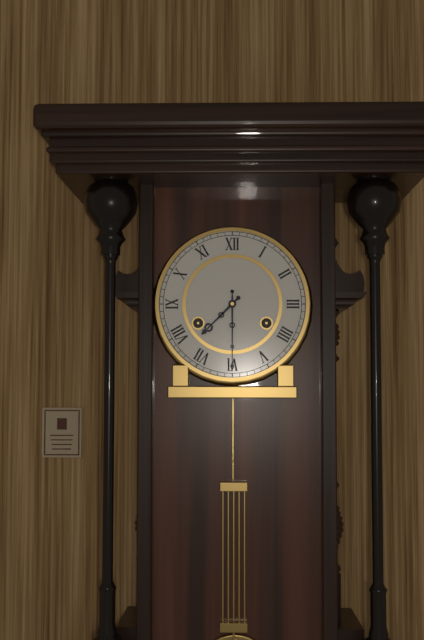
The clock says 7:30
